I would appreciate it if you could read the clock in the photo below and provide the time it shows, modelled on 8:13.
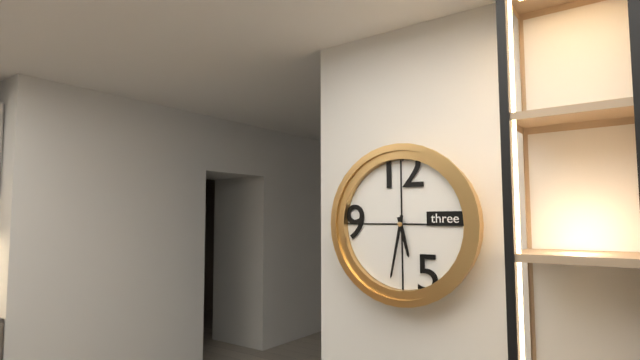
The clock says 5:32
